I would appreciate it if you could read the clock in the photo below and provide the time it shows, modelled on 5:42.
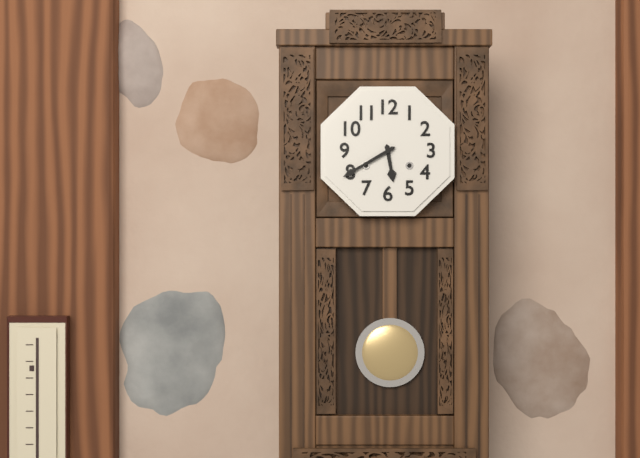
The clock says 5:40
